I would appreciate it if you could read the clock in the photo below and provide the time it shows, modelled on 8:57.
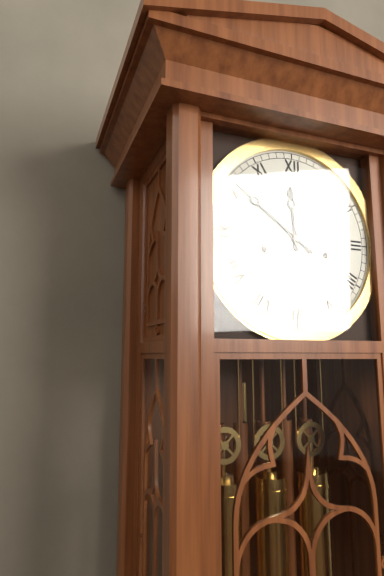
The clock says 11:51
